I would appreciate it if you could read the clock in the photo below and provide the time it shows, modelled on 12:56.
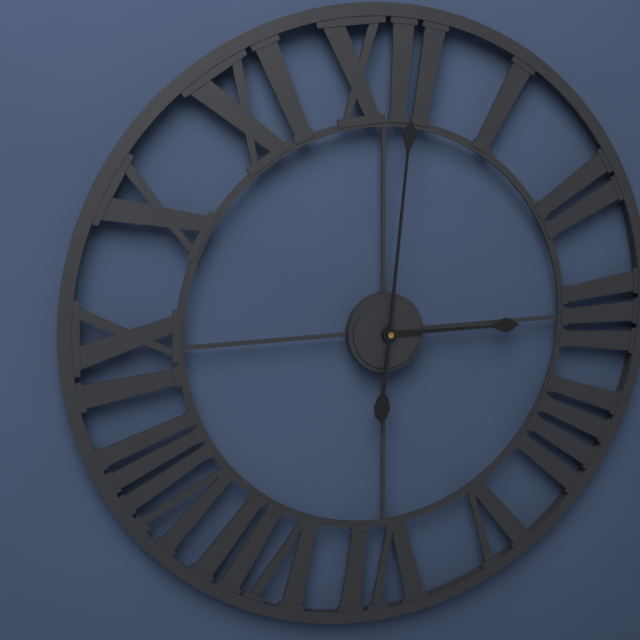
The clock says 3:01
